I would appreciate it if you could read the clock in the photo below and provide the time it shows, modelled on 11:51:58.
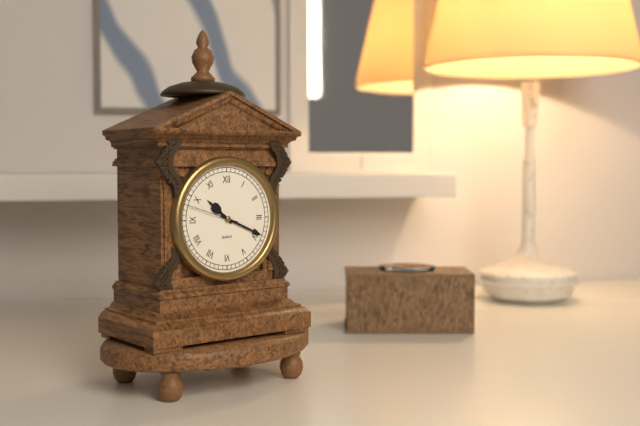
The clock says 10:19:48
